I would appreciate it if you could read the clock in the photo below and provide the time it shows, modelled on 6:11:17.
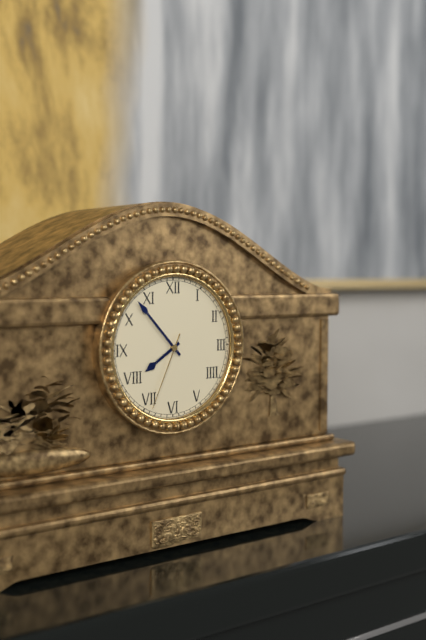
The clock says 7:53:34
